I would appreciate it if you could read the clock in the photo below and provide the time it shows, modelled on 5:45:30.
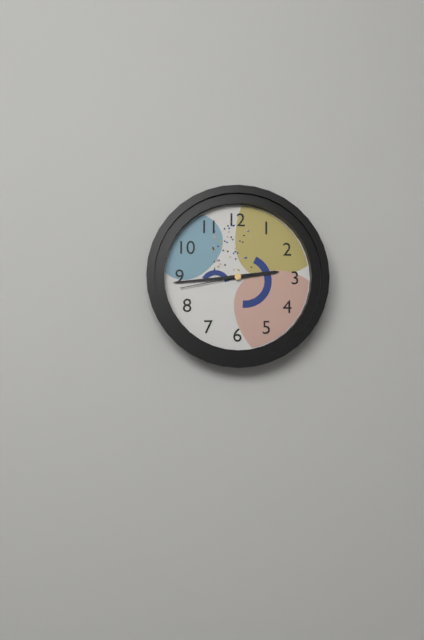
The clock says 2:44:43
